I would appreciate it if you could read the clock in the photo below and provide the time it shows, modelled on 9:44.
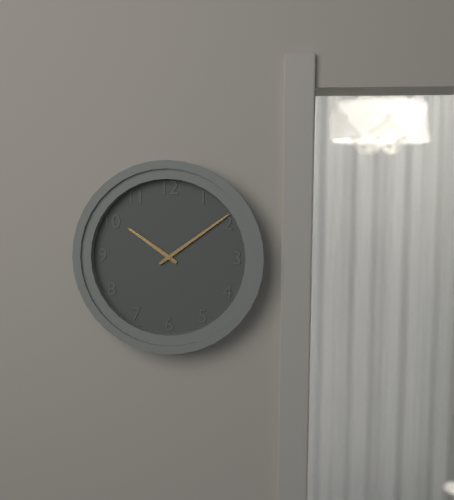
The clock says 10:09
